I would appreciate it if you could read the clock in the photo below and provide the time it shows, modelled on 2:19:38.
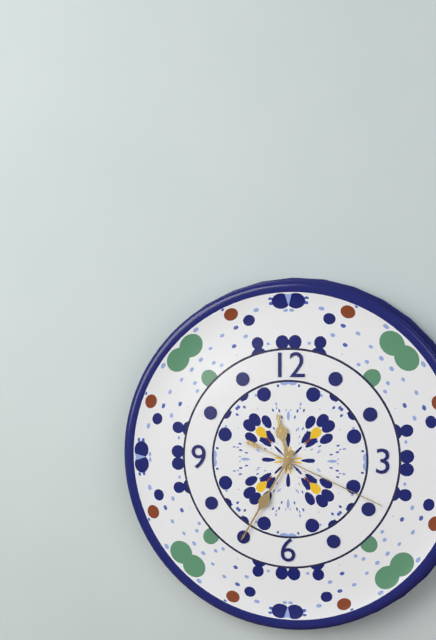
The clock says 11:35:19
